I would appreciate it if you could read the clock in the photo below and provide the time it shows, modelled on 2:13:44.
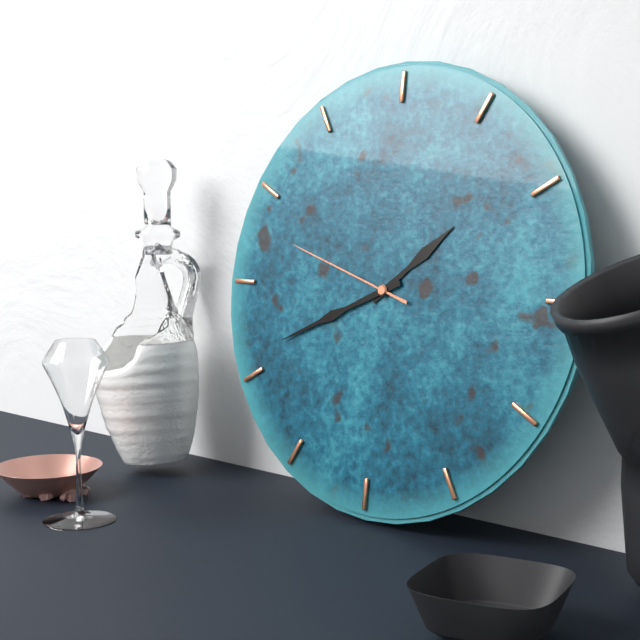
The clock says 1:41:48
